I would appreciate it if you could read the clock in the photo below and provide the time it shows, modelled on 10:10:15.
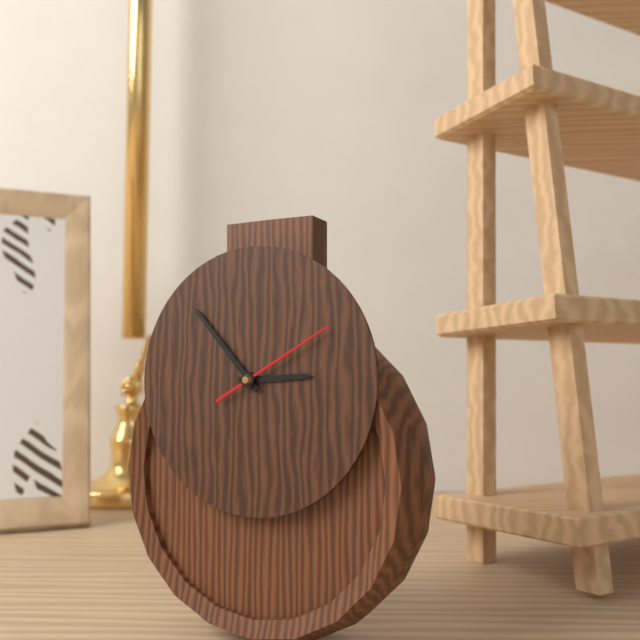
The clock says 2:53:10
